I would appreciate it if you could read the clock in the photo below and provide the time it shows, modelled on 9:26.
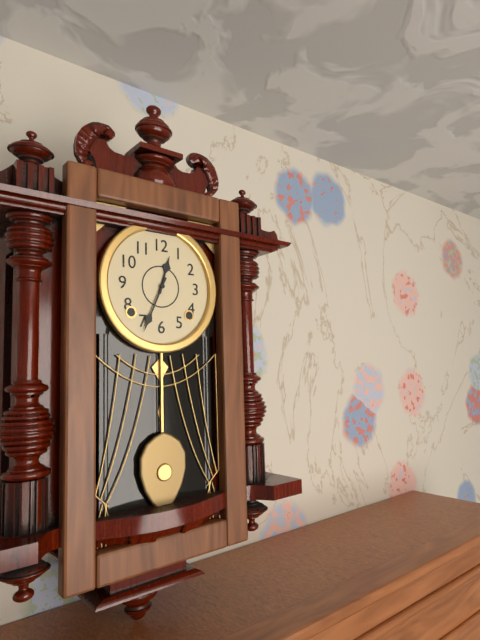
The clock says 12:34
